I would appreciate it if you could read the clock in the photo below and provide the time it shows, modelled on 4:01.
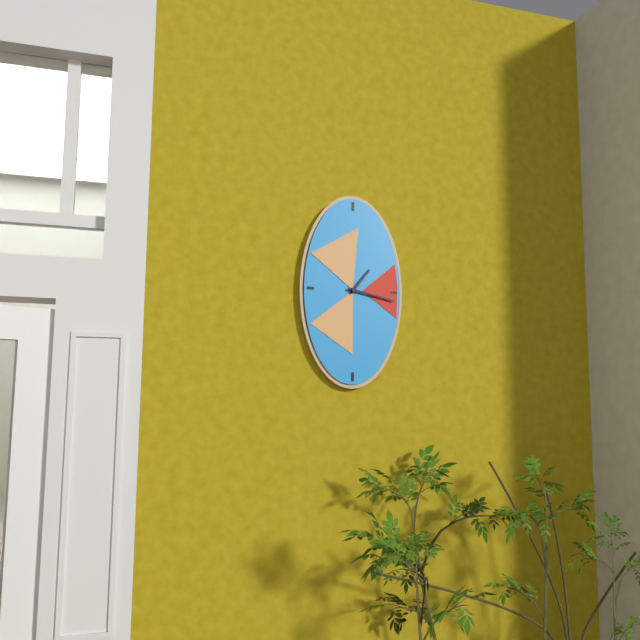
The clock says 1:17
